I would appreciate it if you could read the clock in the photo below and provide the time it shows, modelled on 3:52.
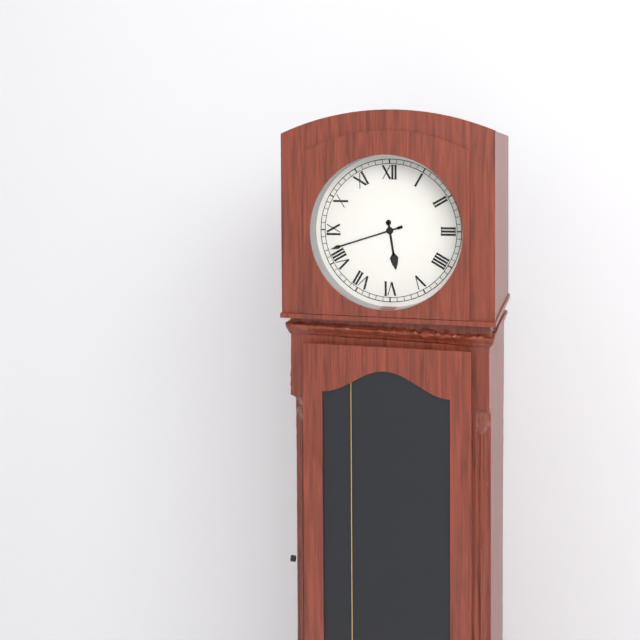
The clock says 5:42
